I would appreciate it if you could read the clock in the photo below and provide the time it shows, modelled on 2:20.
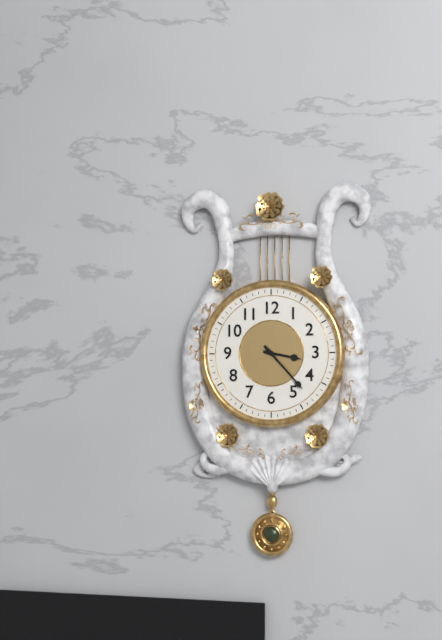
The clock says 3:23
